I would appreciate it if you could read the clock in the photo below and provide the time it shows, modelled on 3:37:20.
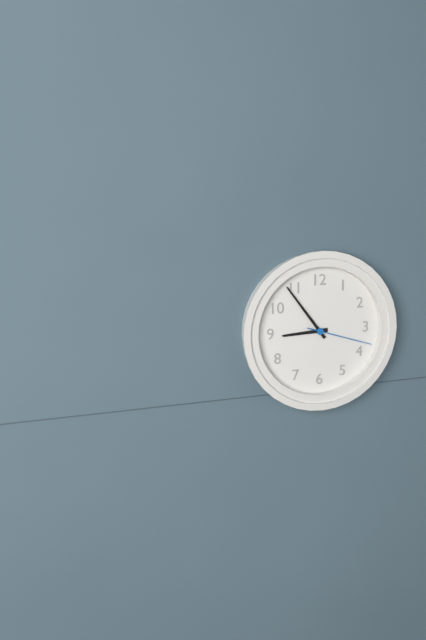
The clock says 8:54:18
